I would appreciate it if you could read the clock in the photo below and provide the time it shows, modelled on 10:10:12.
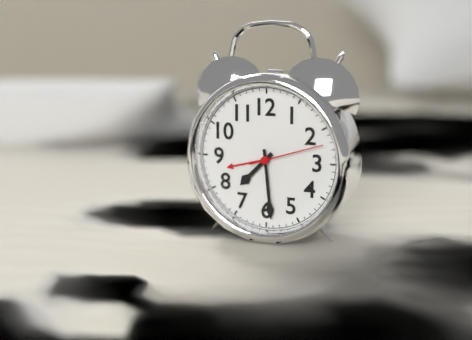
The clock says 7:29:12
